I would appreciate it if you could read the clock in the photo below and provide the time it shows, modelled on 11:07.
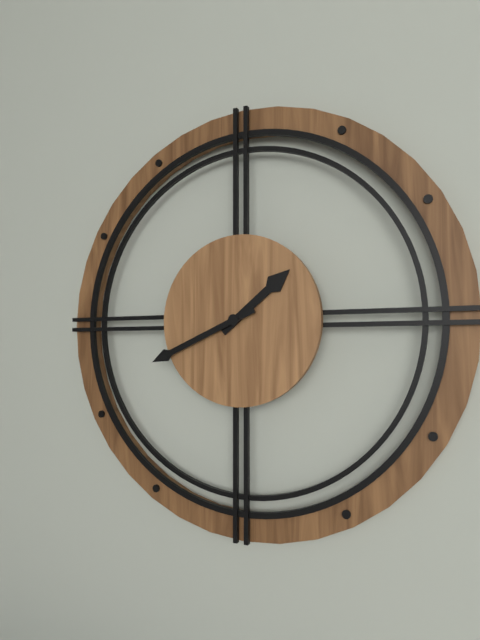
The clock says 1:41
